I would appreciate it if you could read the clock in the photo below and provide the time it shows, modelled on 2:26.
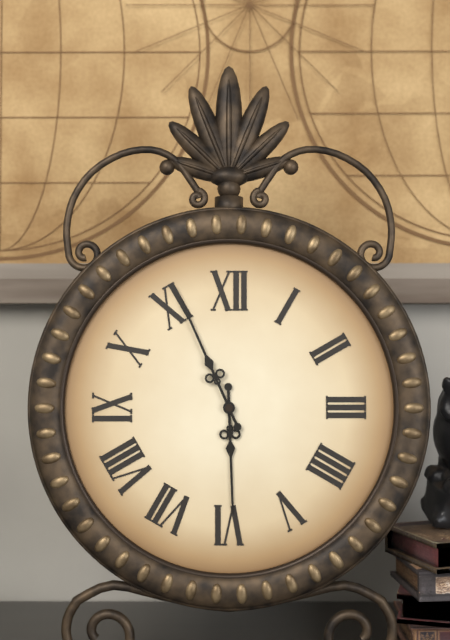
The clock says 5:56
